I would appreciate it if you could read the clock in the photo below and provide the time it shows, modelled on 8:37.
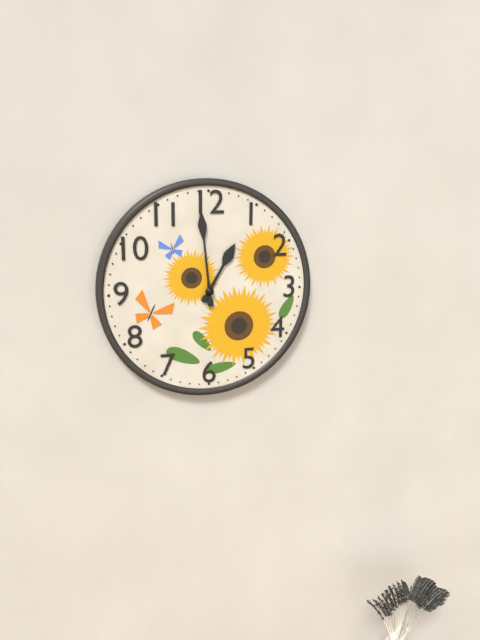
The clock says 12:59
